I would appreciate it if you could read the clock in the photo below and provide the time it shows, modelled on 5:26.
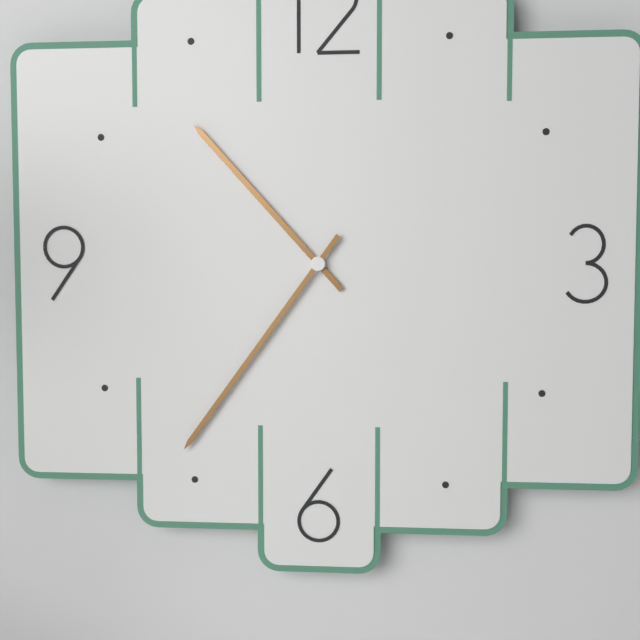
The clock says 10:36
